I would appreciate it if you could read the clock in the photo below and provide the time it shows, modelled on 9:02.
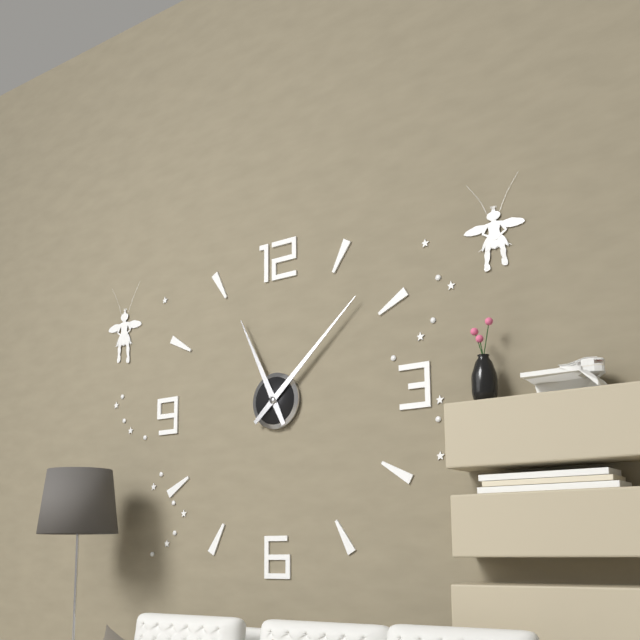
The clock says 11:08
